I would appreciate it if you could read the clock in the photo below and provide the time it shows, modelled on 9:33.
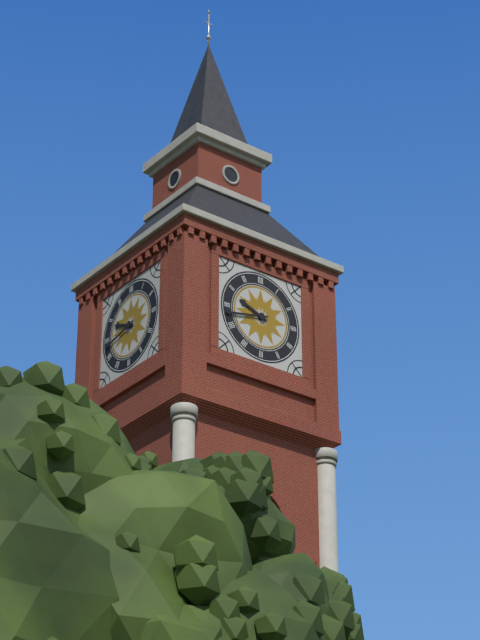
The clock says 9:43
